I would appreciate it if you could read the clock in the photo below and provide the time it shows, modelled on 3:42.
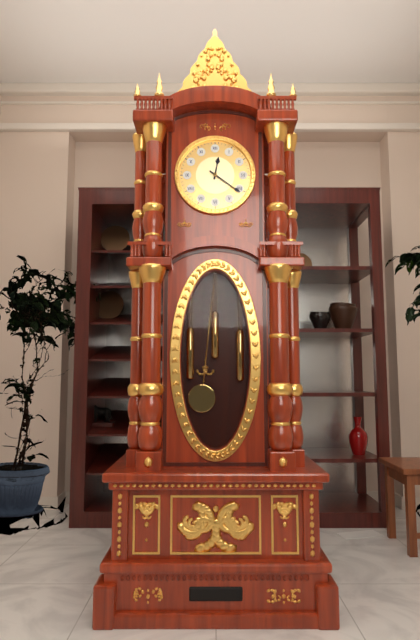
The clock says 12:21
